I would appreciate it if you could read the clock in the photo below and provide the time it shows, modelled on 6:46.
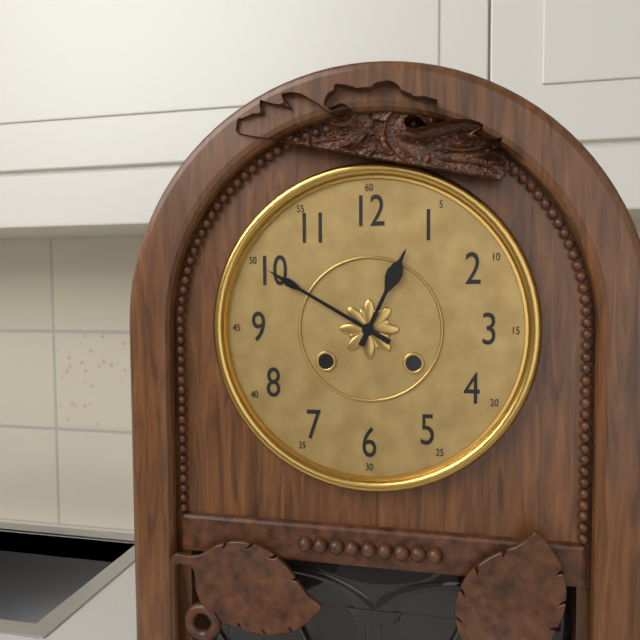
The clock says 12:50
